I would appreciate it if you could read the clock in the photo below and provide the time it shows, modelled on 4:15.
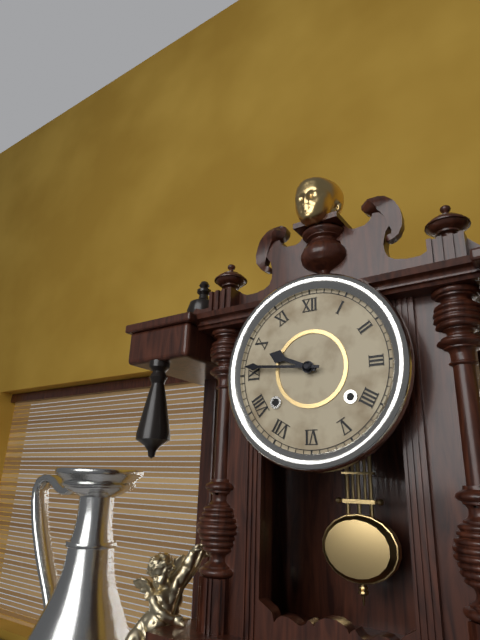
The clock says 9:46
